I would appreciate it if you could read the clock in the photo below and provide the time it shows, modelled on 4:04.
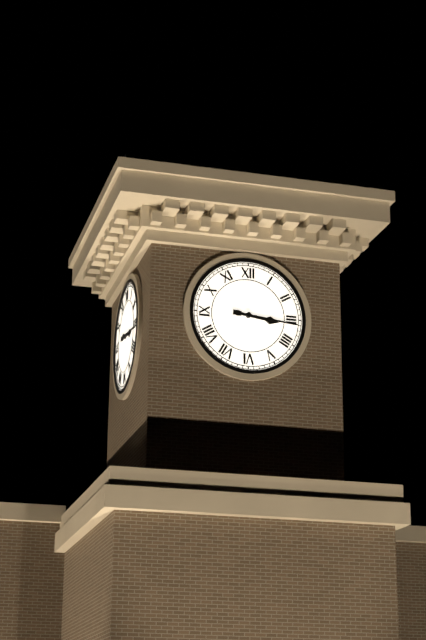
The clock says 3:16
